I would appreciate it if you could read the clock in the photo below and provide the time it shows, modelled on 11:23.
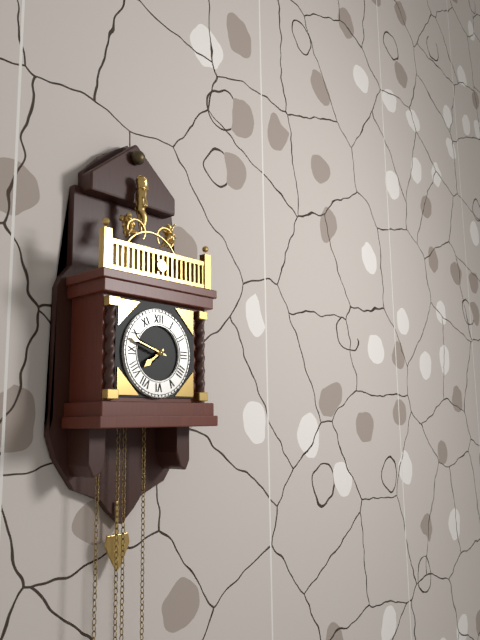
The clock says 7:48
